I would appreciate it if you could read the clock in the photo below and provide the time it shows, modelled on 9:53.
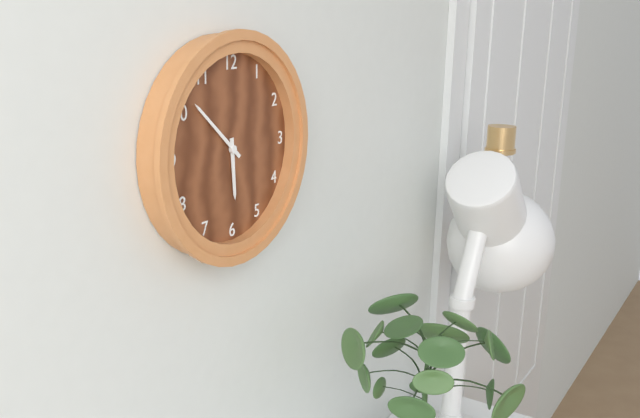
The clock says 5:52
